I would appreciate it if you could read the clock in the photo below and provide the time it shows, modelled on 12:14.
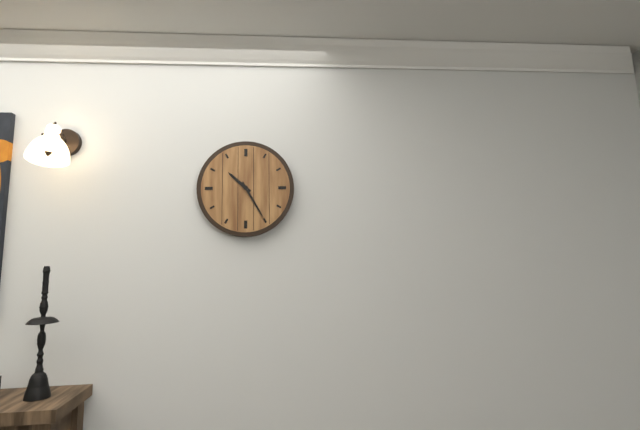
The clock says 10:25
